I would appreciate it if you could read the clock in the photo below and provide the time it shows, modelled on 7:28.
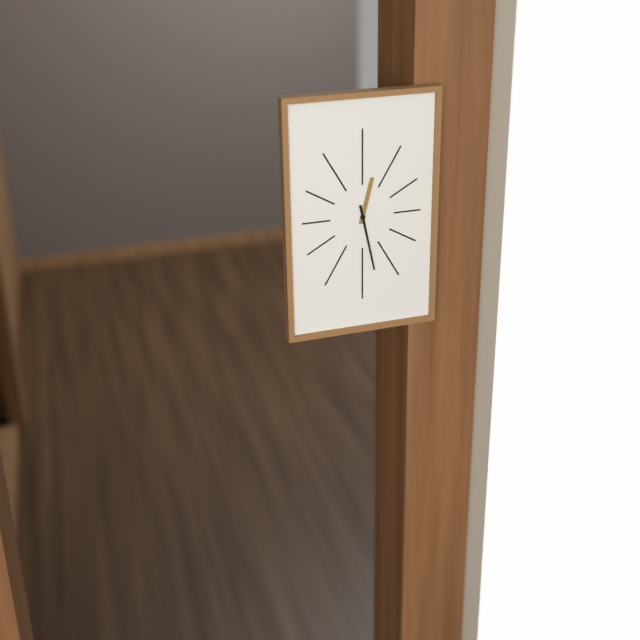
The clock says 12:28
